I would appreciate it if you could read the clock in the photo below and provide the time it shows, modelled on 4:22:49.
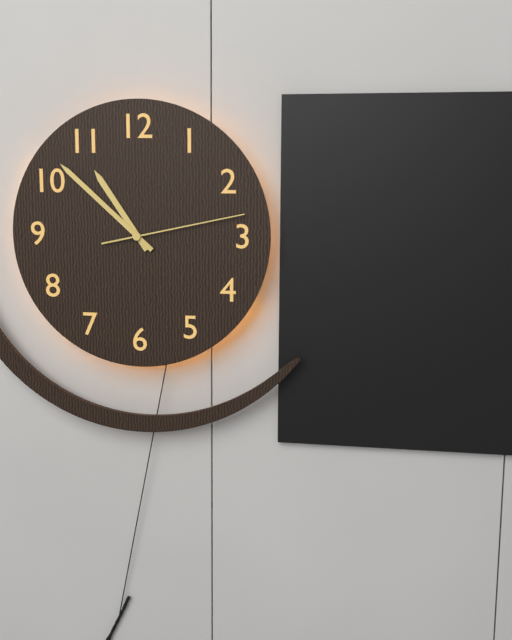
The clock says 10:52:13
